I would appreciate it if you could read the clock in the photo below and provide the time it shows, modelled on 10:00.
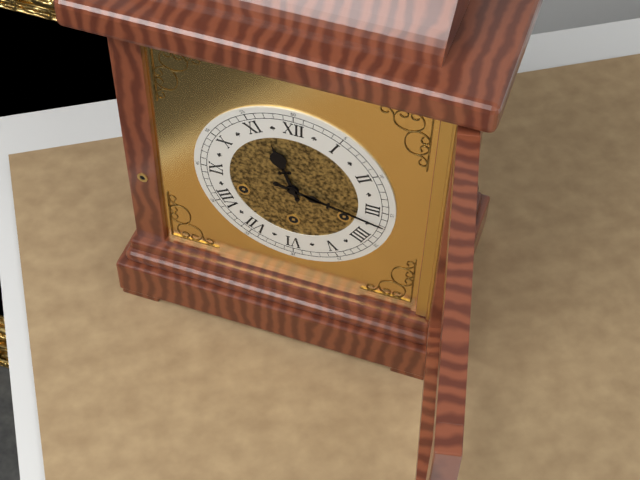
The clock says 11:17
